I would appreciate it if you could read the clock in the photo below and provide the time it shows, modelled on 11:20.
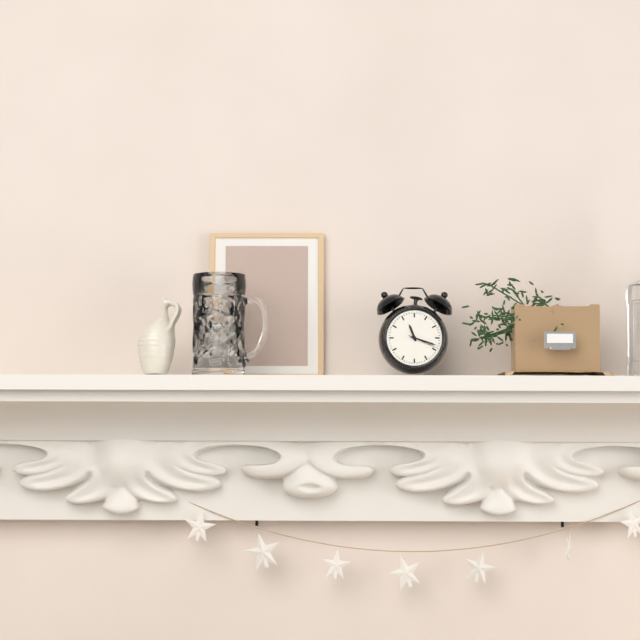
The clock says 11:18
